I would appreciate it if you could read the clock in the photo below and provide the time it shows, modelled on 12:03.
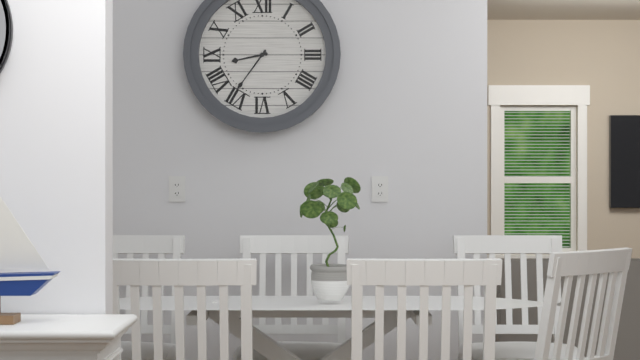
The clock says 8:36
